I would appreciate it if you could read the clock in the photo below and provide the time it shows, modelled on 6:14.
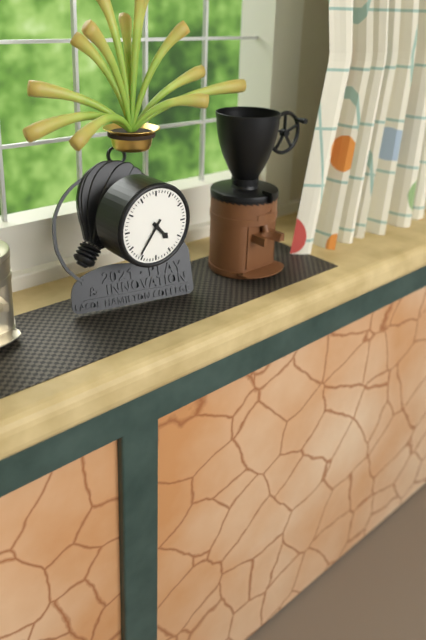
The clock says 4:36
